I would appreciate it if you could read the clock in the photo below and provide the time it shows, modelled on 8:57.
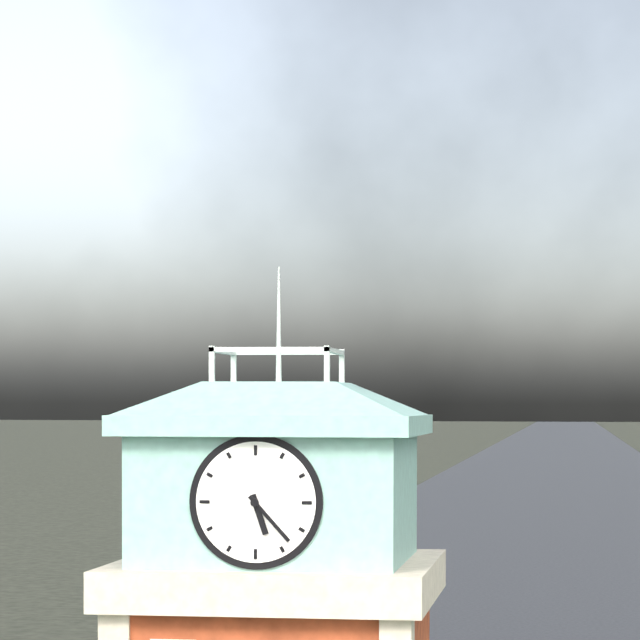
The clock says 5:23
